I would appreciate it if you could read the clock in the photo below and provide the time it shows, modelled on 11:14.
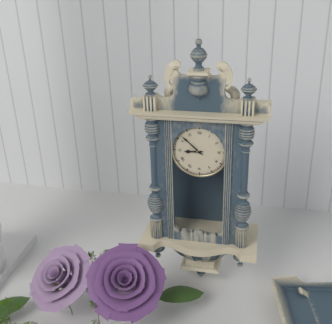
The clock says 8:52
